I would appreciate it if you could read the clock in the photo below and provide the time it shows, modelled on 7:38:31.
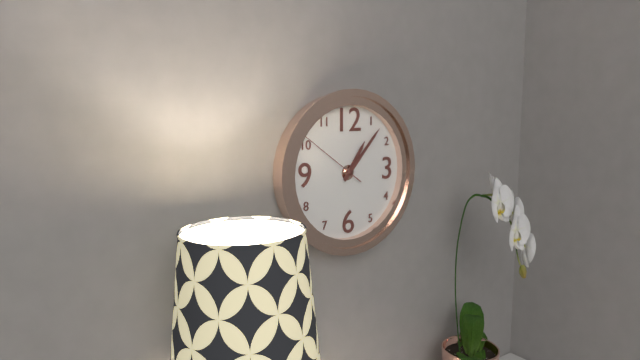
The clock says 1:07:51
